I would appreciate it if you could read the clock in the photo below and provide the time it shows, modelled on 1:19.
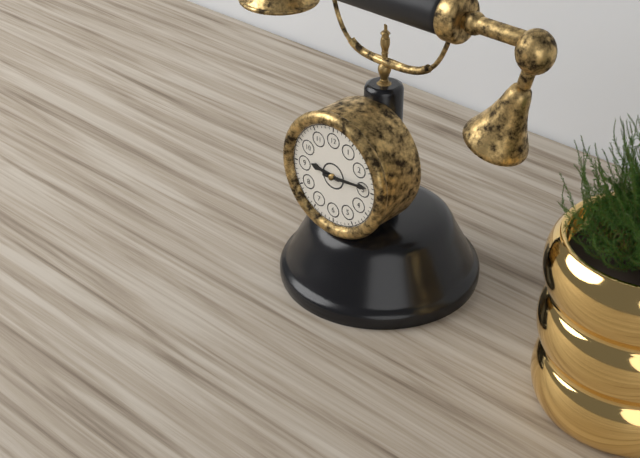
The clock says 9:14
